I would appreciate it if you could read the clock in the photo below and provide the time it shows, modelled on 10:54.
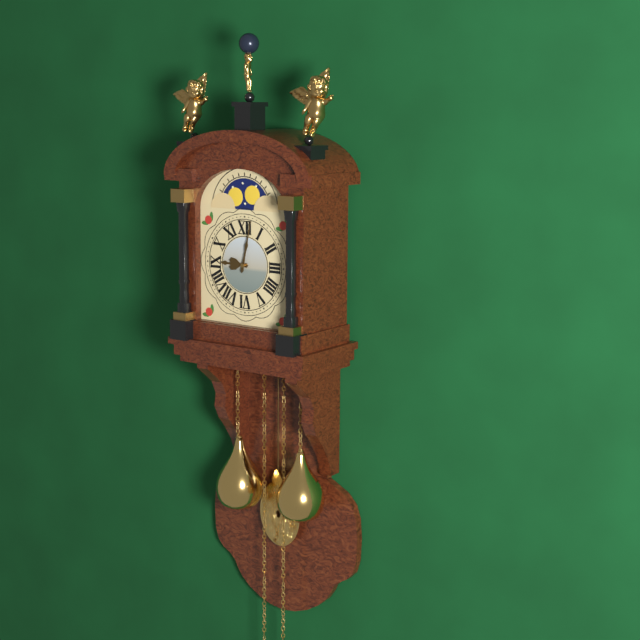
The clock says 9:02
